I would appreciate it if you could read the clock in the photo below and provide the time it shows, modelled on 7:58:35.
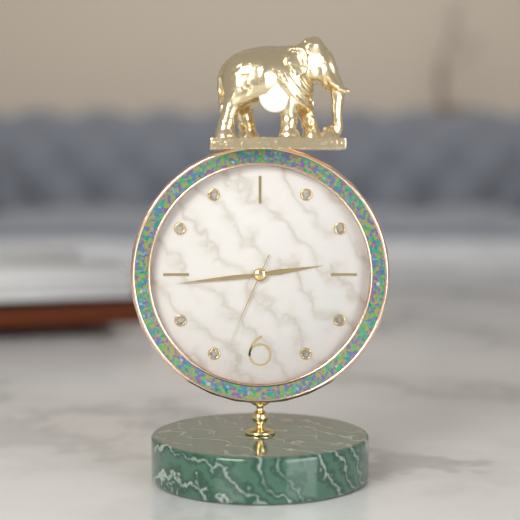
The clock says 2:44:34
